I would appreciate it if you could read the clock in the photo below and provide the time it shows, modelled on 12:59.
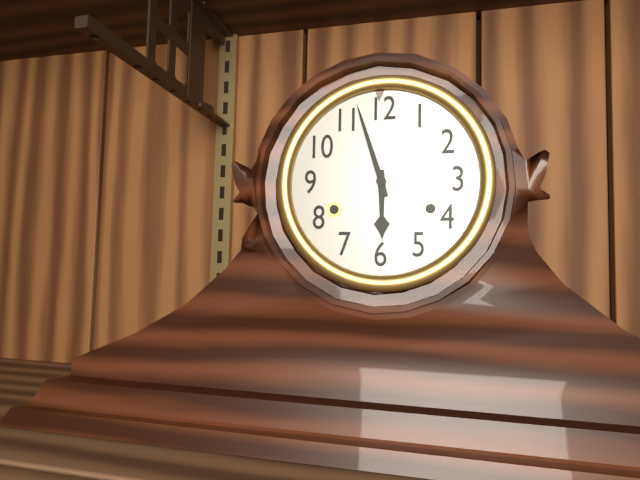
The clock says 5:57
